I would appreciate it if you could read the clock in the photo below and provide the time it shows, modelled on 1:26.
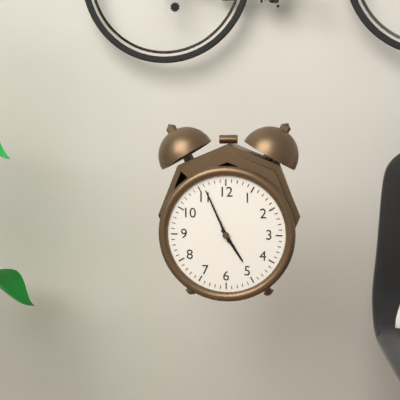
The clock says 4:56
